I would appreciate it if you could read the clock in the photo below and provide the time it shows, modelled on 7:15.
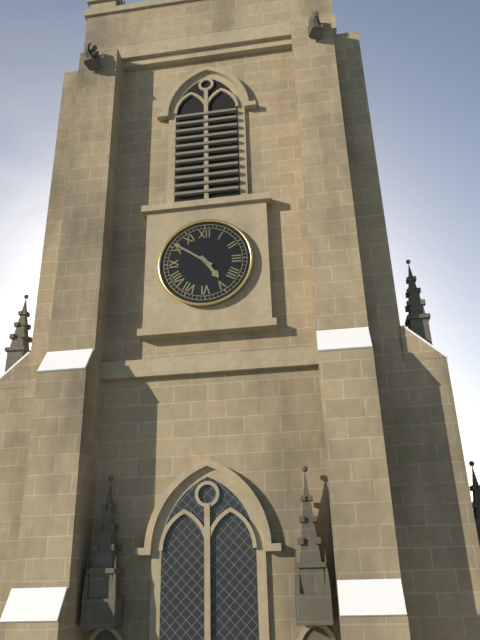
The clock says 4:51
